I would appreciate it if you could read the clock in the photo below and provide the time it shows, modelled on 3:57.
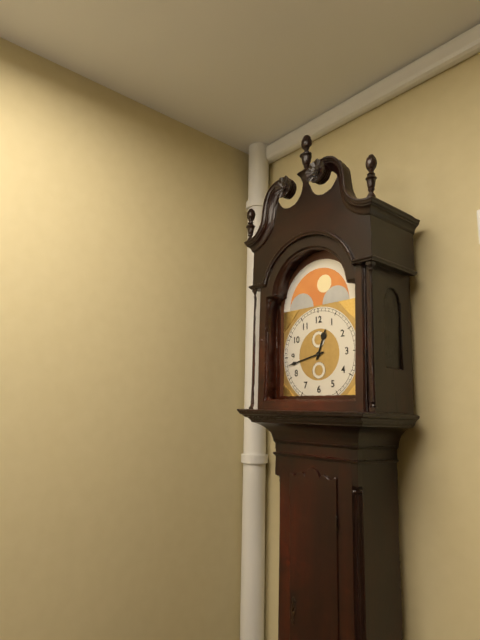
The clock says 12:43
